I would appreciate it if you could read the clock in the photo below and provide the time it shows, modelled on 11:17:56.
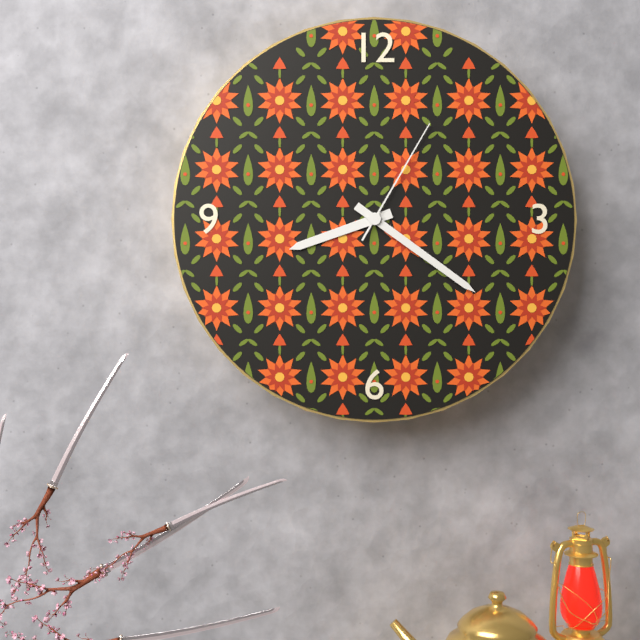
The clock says 8:21:05
